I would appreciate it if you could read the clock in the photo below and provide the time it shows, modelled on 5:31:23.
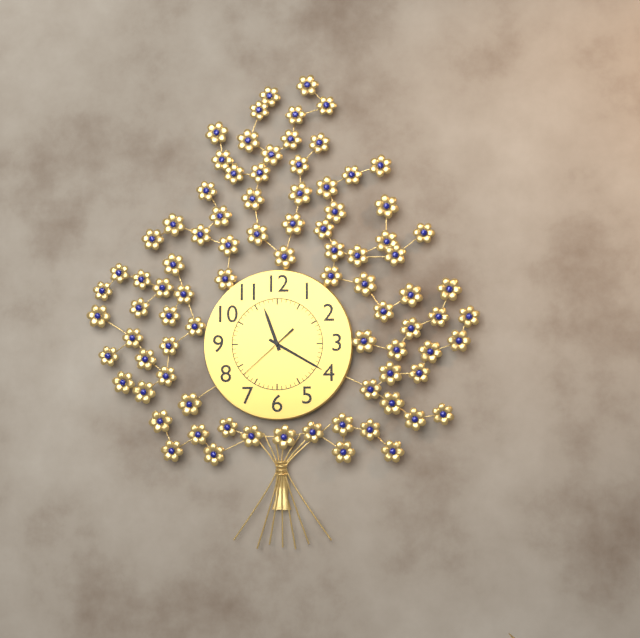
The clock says 11:20:38
